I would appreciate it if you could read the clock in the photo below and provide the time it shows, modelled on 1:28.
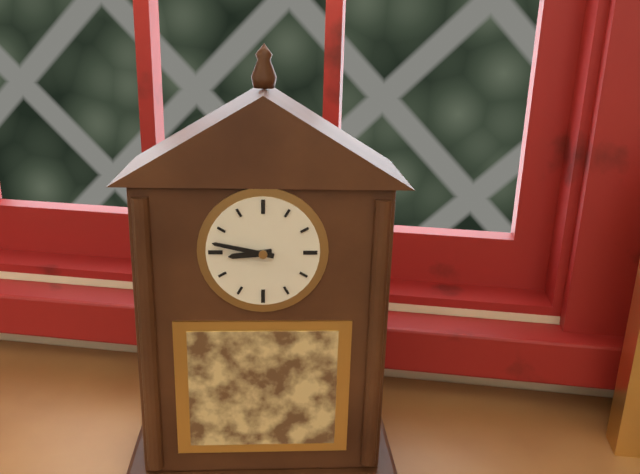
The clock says 8:47
